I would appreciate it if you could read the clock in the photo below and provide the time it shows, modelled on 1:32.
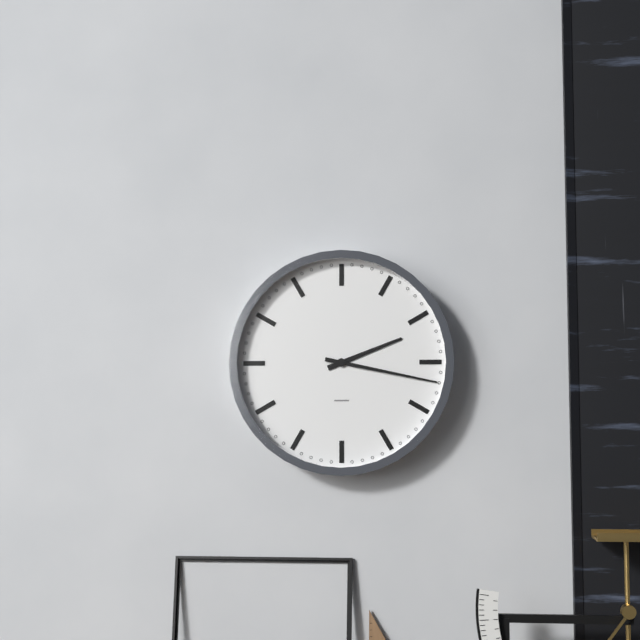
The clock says 2:17
